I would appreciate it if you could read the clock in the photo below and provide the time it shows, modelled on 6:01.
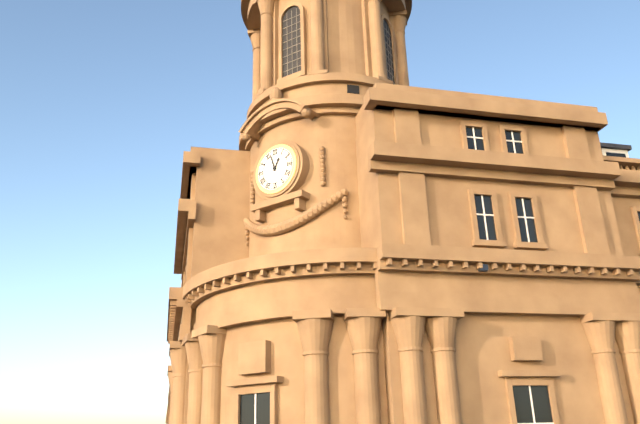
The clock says 12:57
